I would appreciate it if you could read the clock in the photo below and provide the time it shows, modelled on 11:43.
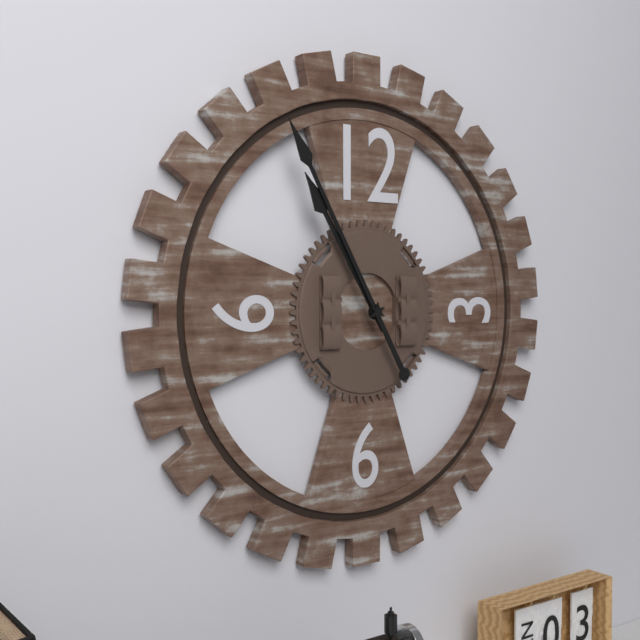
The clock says 10:55
